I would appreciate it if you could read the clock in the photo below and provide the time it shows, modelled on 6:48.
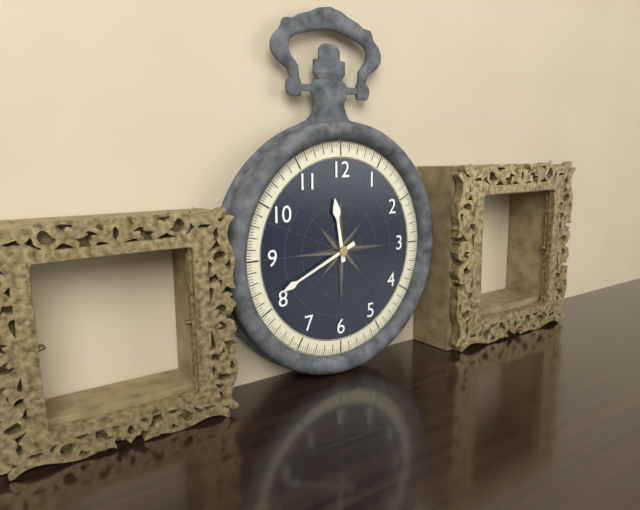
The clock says 11:41
